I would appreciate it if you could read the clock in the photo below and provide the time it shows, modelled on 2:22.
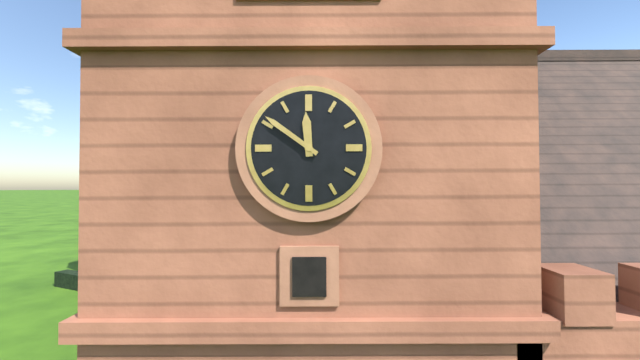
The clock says 11:51
